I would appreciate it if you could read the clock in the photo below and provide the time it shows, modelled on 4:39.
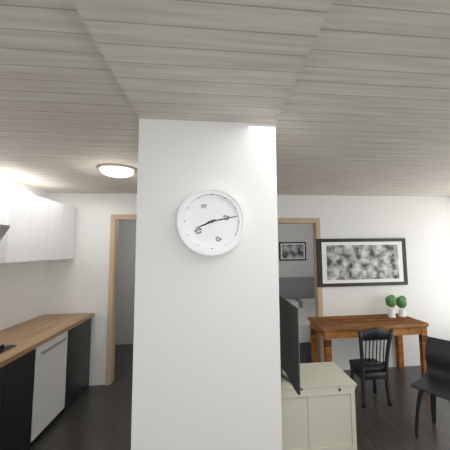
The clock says 8:13
